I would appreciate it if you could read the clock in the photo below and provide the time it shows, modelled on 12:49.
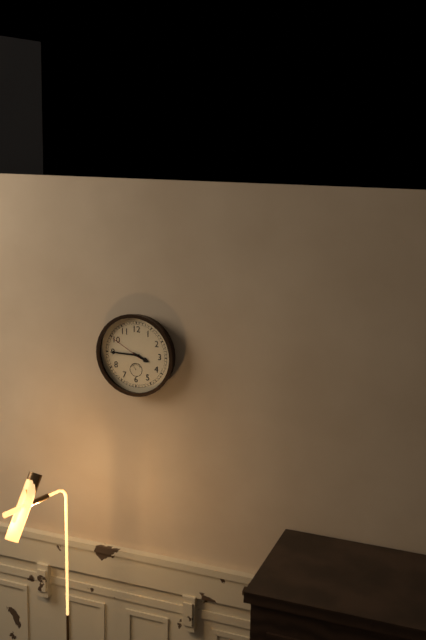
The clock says 3:45
